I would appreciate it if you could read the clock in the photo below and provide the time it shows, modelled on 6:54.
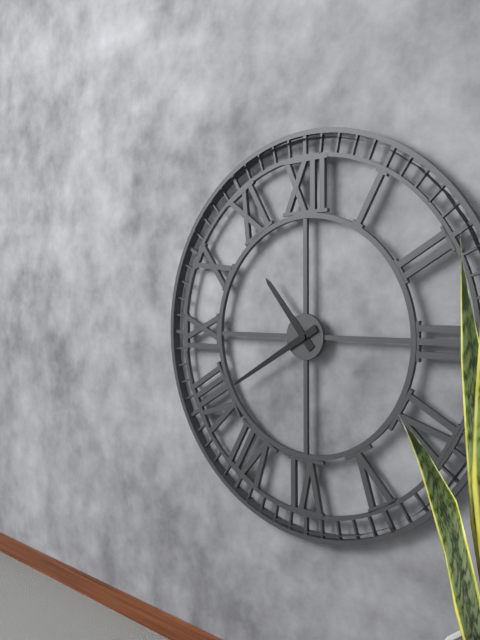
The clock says 10:40
